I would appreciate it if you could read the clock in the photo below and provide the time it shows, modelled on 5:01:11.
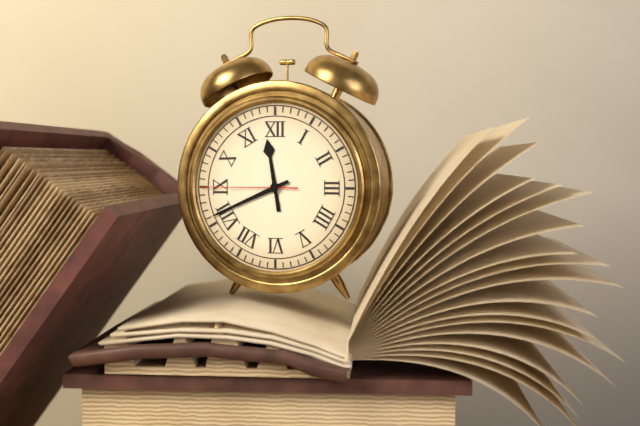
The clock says 11:41:45
